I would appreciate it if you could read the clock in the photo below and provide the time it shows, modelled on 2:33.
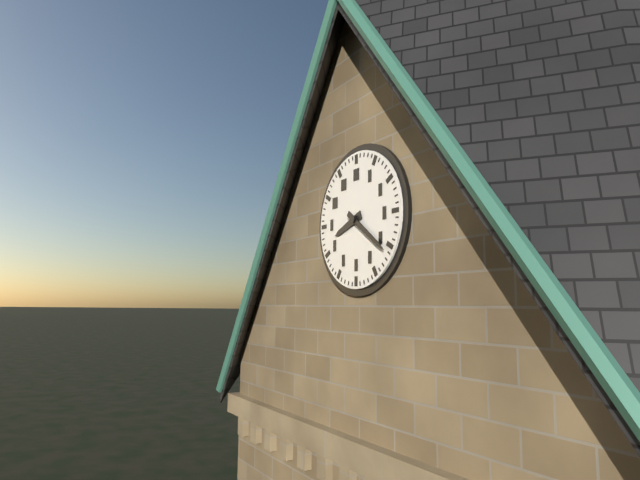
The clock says 8:21
